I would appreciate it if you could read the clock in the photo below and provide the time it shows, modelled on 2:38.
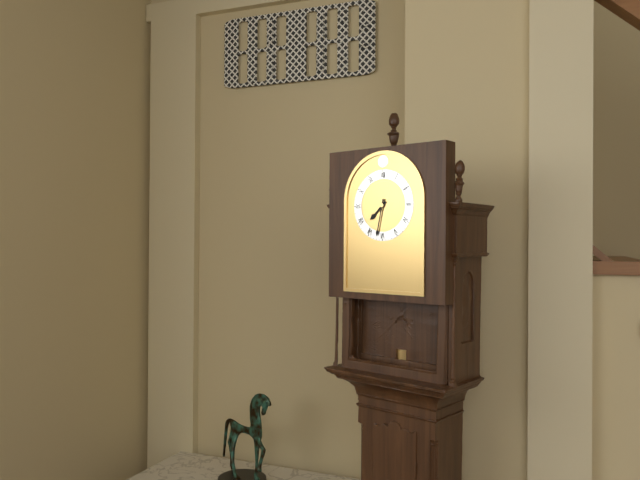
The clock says 7:32
